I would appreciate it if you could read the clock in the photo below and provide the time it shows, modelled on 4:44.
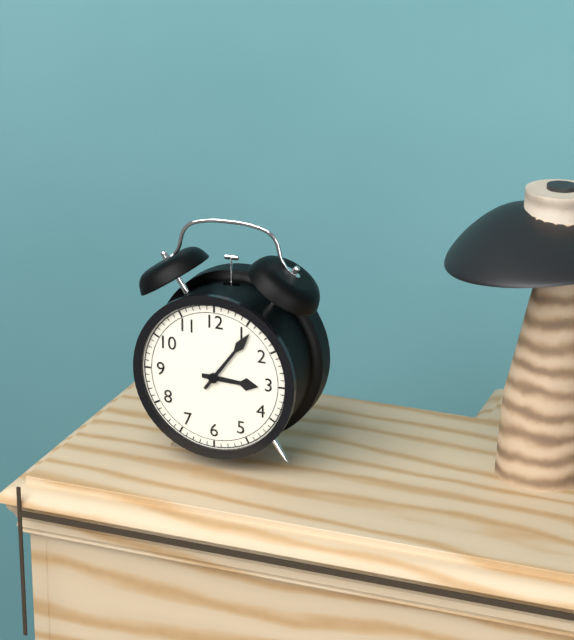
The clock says 3:06
